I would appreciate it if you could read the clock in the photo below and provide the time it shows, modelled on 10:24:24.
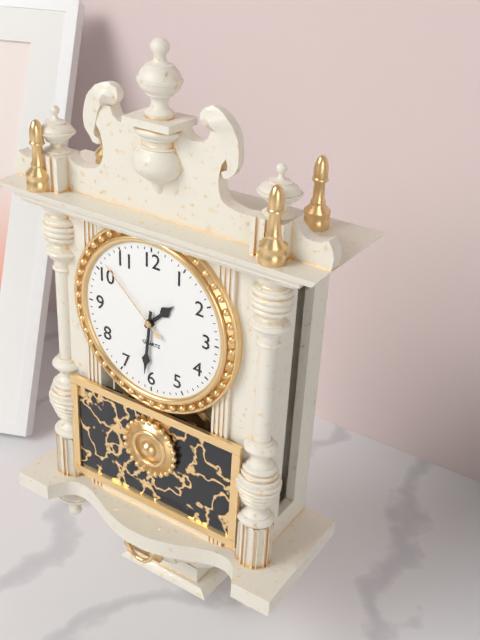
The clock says 1:31:52
